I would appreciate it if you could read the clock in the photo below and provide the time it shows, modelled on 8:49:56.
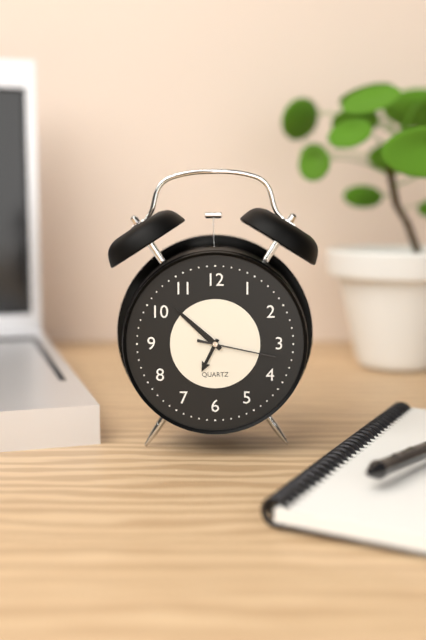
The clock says 6:52:17
